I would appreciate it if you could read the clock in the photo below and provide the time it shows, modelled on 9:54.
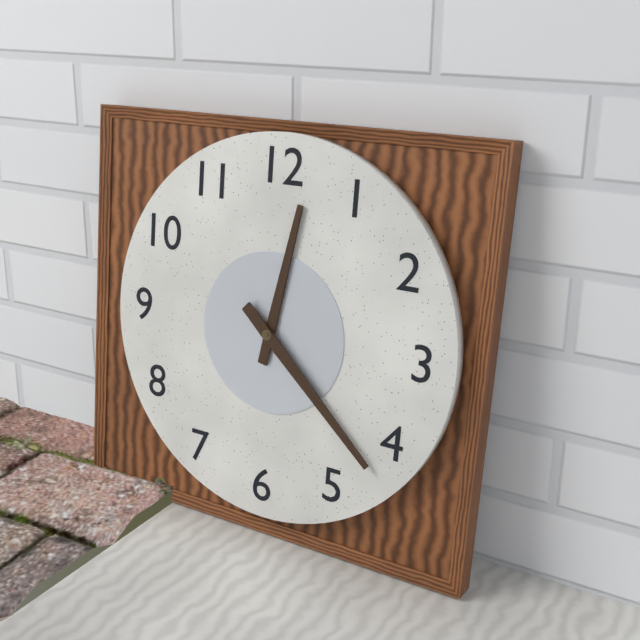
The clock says 12:22
